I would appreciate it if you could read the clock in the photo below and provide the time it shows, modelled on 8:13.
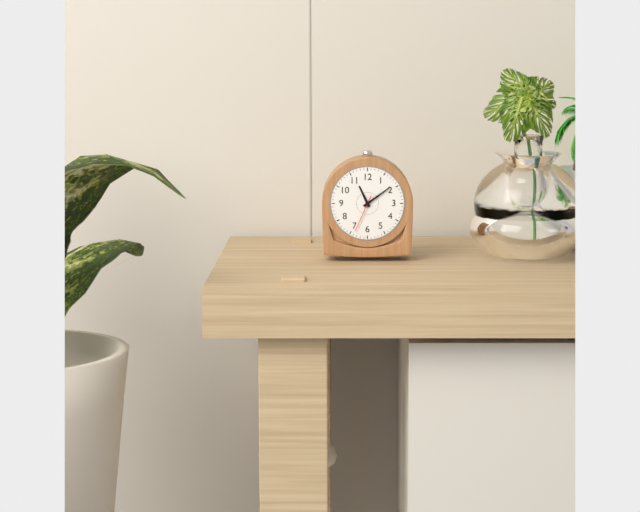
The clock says 11:09
